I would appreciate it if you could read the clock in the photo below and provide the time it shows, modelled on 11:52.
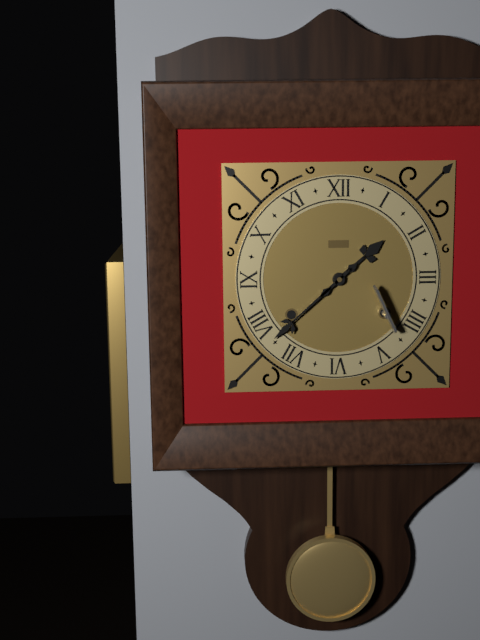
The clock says 1:38
